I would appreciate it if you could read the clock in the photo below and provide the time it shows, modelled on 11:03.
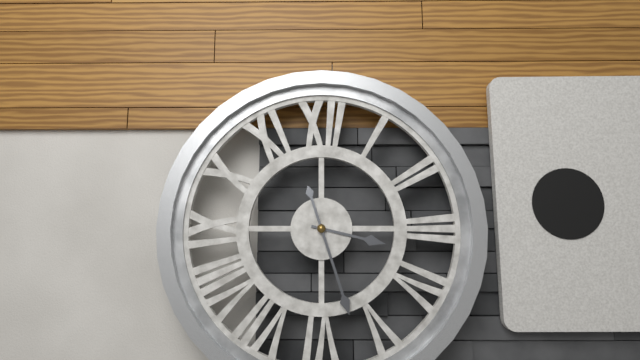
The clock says 3:27
